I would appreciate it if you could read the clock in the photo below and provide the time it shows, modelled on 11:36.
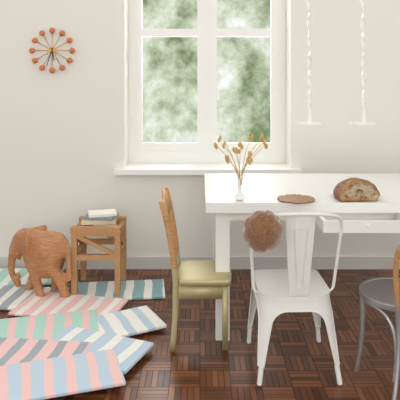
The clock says 5:33
